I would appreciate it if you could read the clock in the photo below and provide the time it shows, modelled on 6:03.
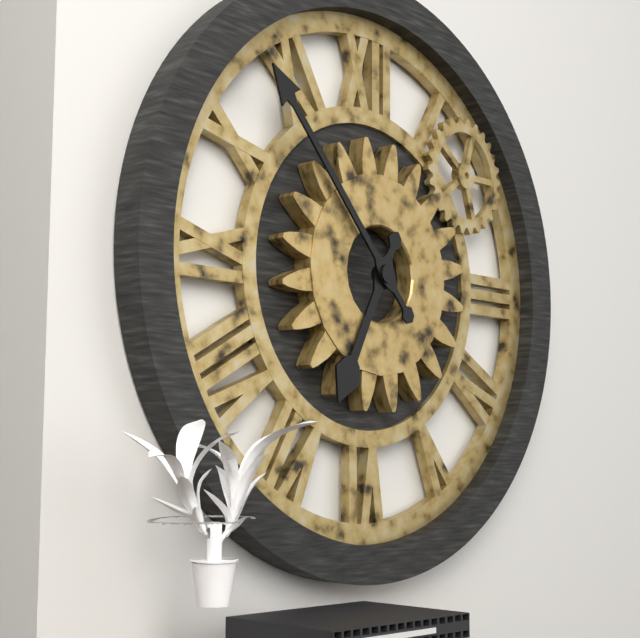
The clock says 6:53
